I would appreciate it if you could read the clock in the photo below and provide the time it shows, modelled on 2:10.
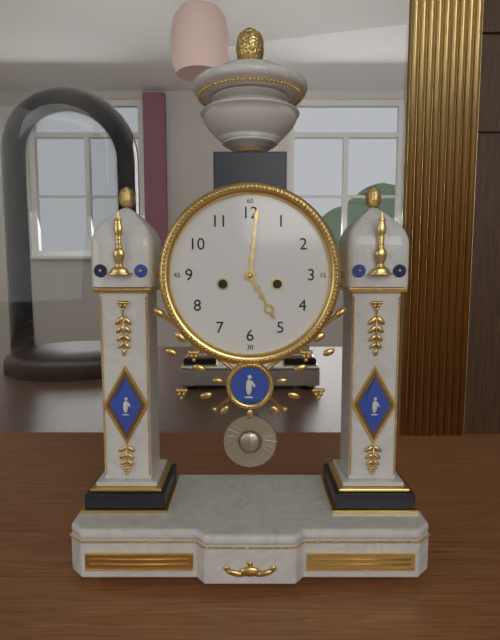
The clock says 5:01
